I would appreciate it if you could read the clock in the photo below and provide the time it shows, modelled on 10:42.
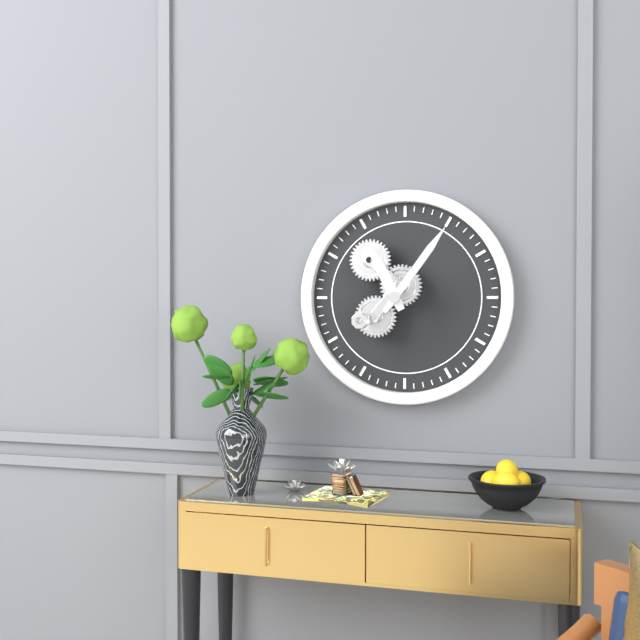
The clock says 11:06
